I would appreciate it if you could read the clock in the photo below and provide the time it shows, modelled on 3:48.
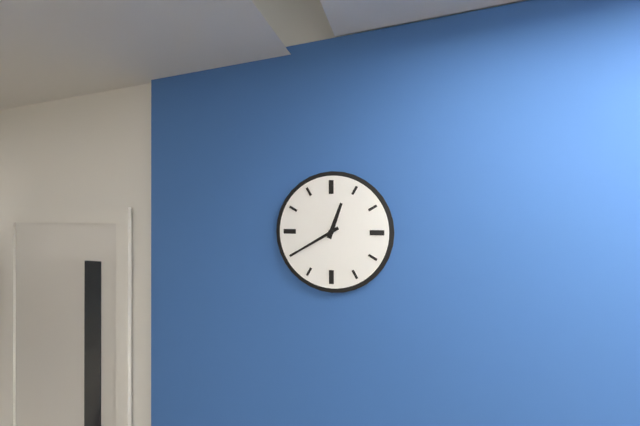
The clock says 12:40
